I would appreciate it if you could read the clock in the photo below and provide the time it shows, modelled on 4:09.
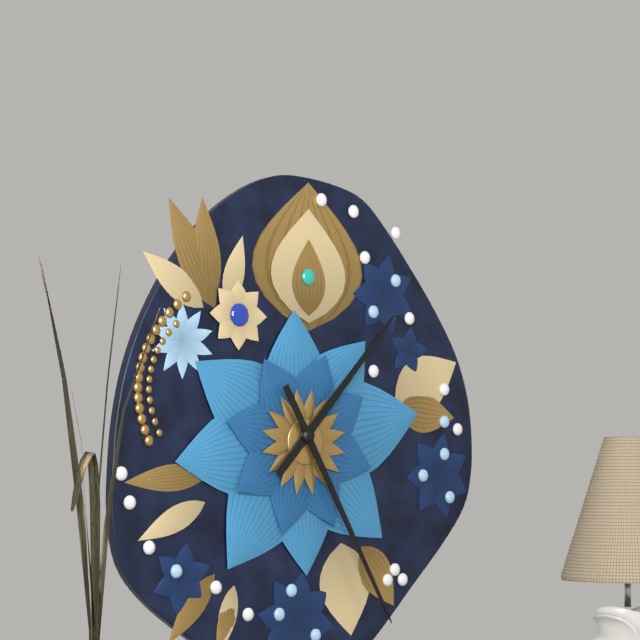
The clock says 1:25
